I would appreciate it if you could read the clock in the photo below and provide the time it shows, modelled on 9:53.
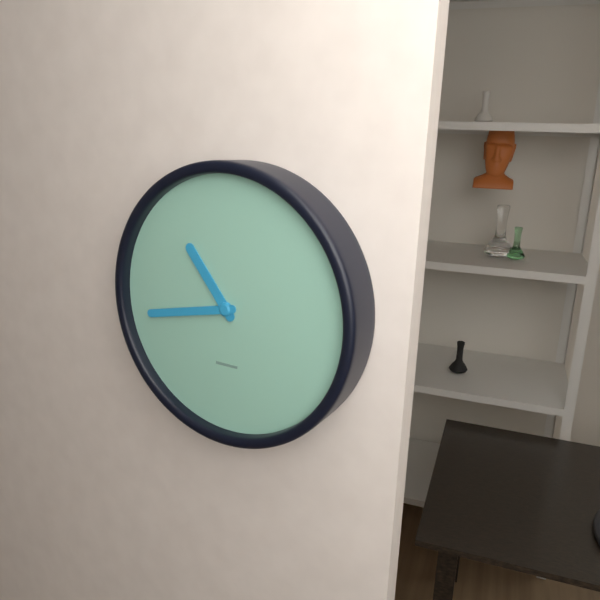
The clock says 10:43
